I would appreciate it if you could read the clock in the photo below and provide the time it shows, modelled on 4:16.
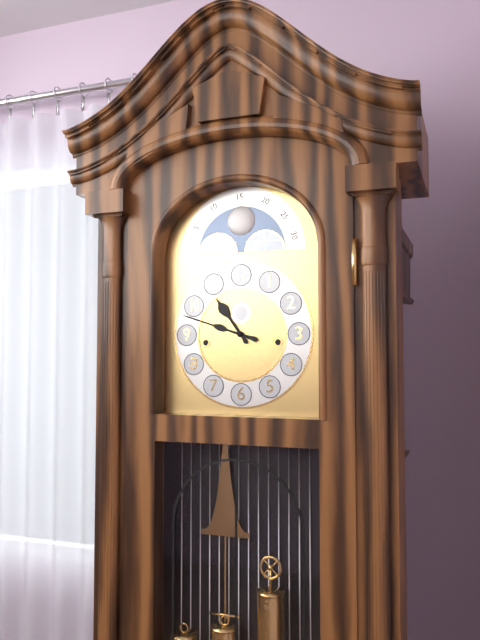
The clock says 10:48
